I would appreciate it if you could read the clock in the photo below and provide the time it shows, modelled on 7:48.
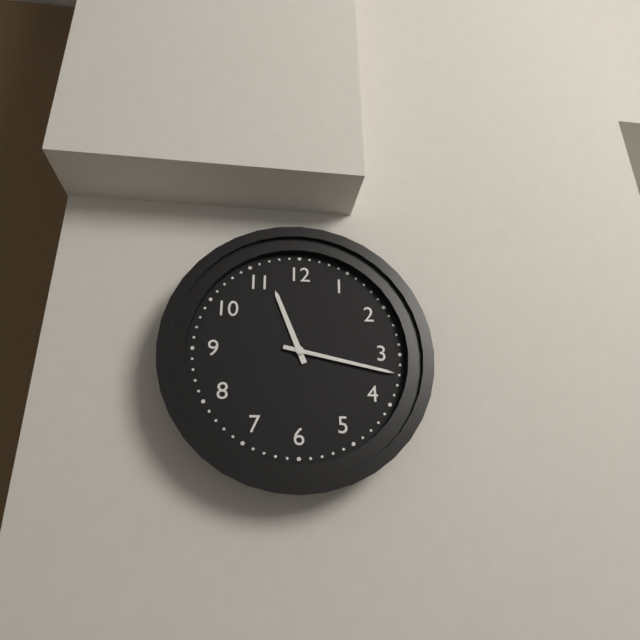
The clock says 11:17
